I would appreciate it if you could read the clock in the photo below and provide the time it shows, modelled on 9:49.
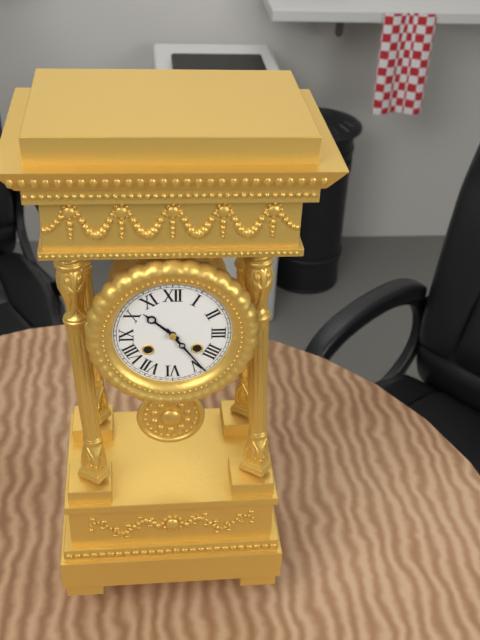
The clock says 10:24
